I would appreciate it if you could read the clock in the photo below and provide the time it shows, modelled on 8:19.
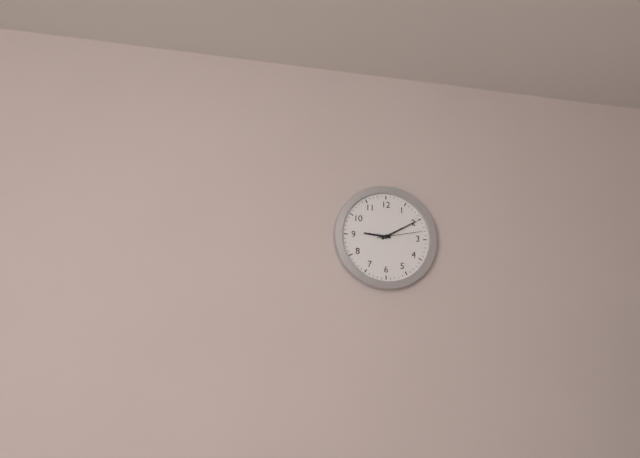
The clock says 9:10
